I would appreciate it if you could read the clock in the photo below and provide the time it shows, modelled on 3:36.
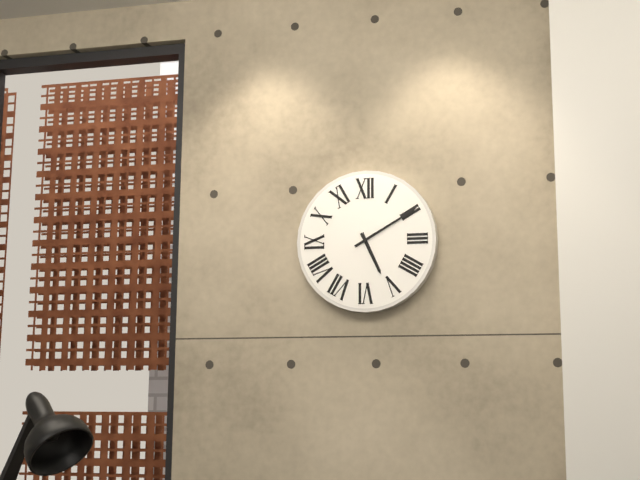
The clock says 5:10
